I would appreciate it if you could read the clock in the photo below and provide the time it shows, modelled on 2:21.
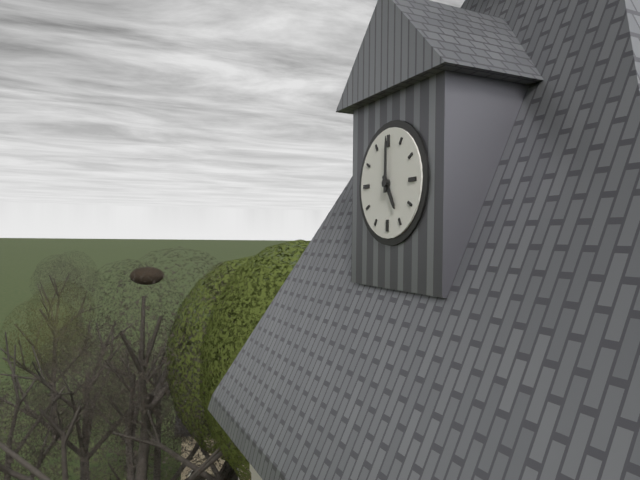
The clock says 5:00
